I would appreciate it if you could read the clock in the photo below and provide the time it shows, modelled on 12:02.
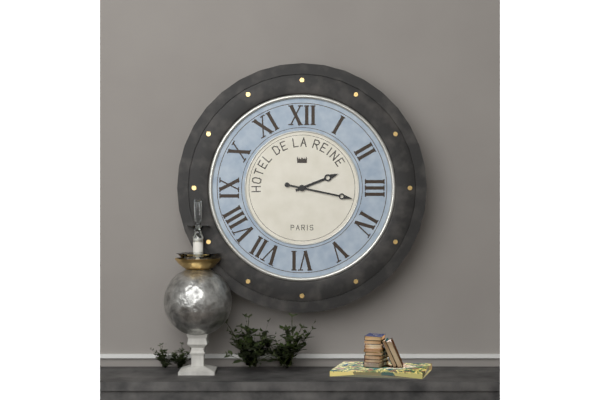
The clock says 2:17
